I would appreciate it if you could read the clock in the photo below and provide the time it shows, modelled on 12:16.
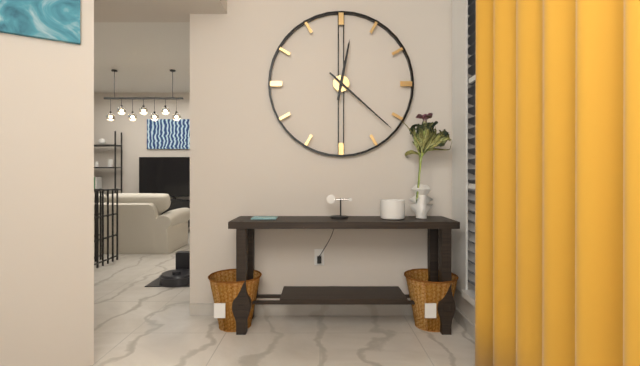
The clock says 12:22
